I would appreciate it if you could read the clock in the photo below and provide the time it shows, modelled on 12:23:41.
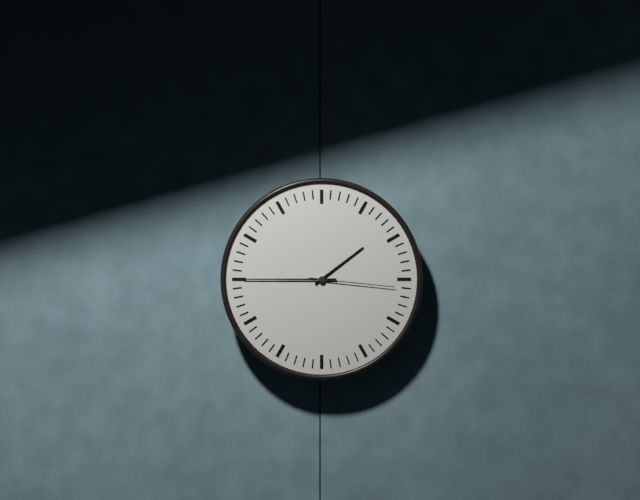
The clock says 1:45:16
